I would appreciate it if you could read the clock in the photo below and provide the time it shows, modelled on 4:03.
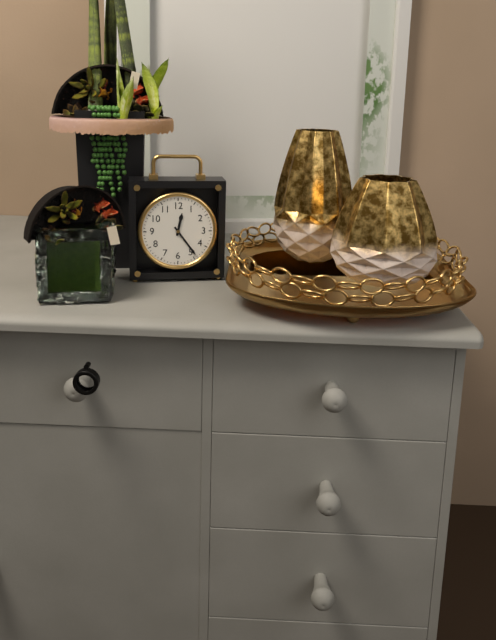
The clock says 12:24
